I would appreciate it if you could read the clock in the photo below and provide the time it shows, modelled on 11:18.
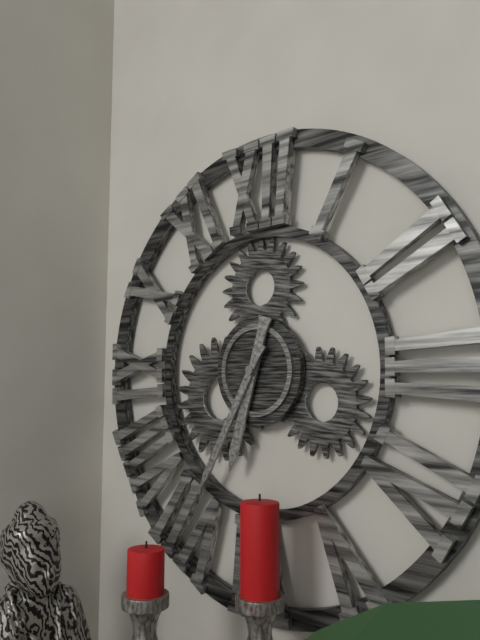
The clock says 6:35
